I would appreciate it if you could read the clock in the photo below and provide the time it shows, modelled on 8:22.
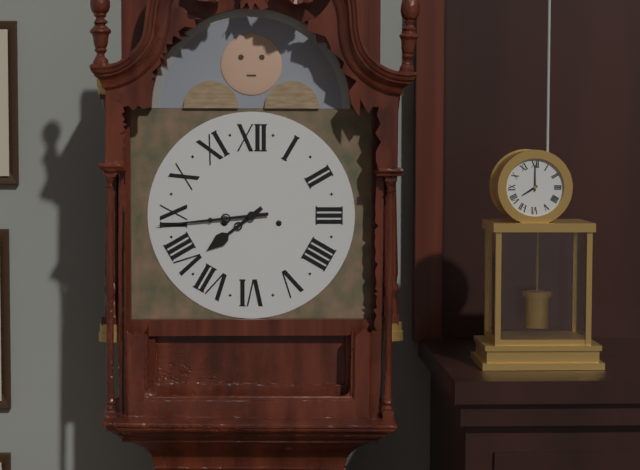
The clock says 7:44
